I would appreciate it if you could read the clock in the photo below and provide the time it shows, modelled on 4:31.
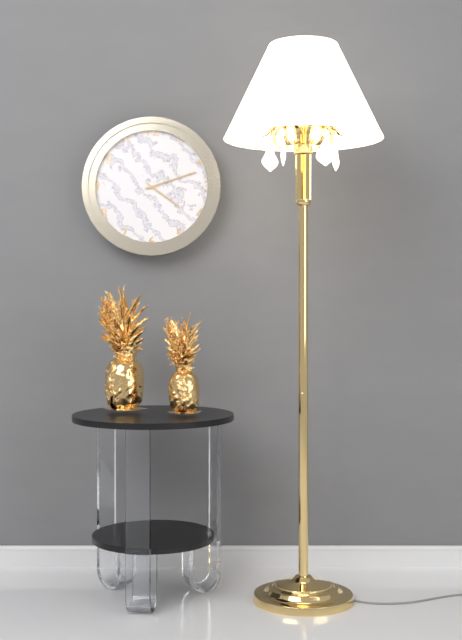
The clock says 4:12
